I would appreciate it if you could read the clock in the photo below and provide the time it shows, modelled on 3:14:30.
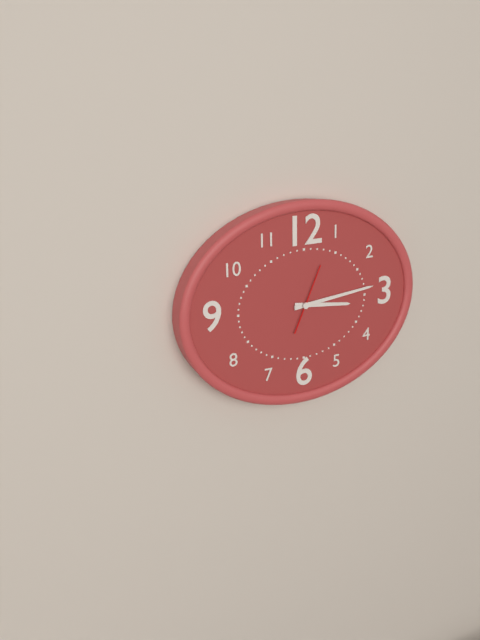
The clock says 3:14:04
